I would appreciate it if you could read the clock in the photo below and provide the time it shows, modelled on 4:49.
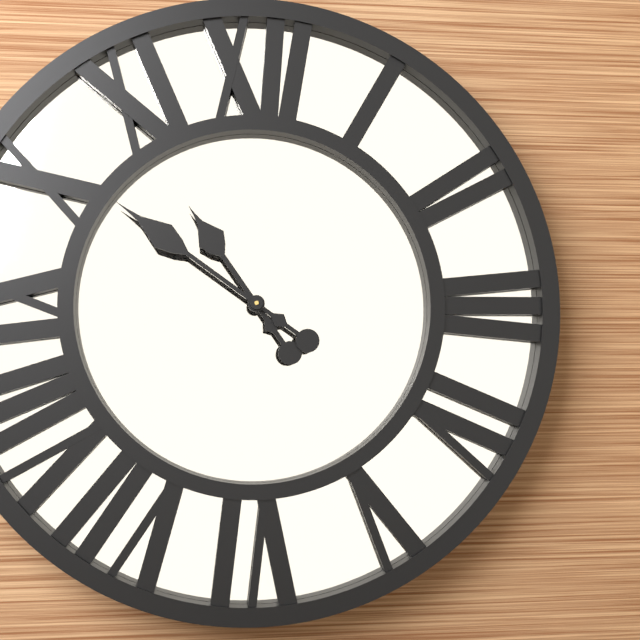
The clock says 10:51
